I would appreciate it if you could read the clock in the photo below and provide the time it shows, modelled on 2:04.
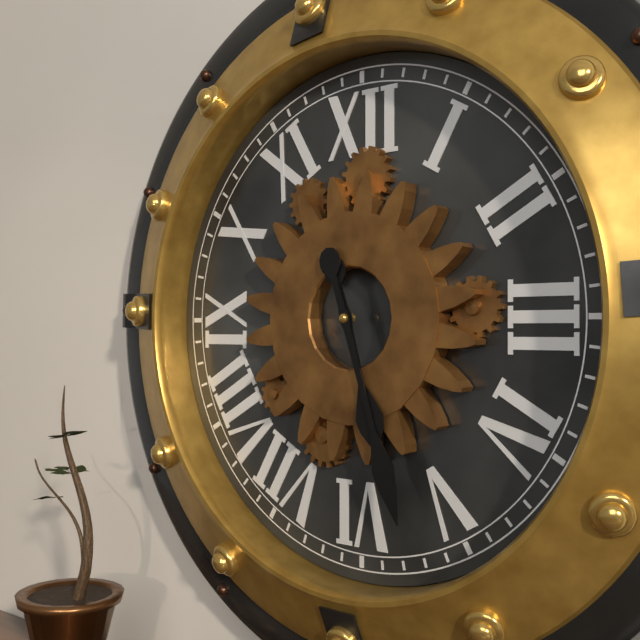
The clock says 5:27
